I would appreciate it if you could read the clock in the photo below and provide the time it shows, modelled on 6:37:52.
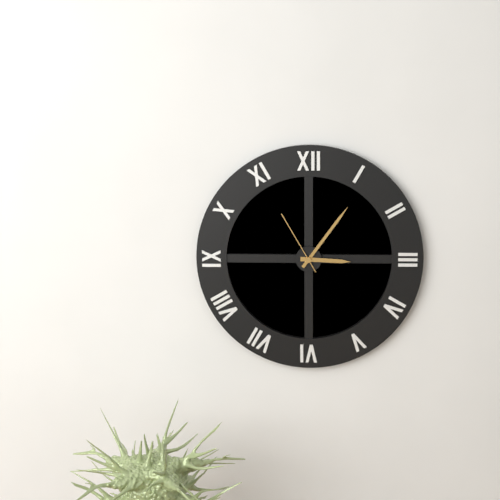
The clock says 3:06:55
